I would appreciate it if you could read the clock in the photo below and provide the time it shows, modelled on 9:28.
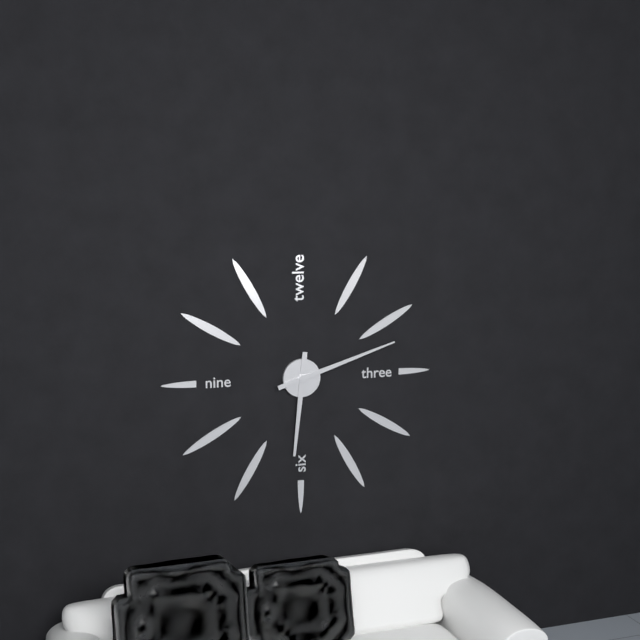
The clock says 6:12
